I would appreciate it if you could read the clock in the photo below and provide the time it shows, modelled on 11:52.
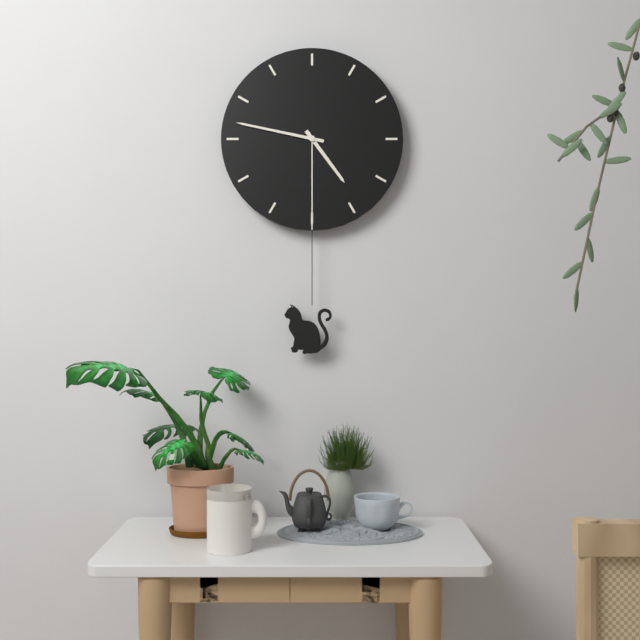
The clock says 4:47
